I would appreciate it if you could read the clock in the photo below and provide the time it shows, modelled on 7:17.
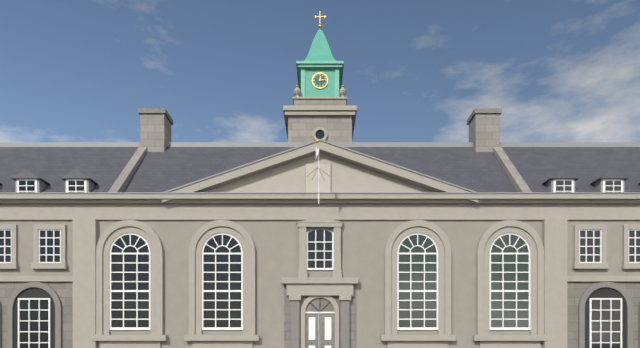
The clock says 12:14
